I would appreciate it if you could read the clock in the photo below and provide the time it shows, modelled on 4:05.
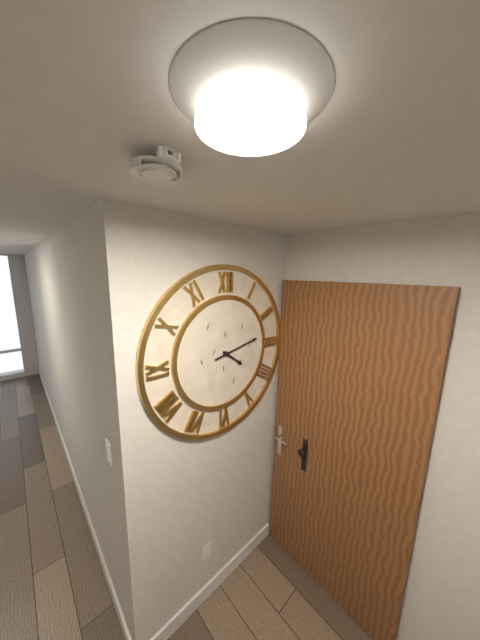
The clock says 4:13
